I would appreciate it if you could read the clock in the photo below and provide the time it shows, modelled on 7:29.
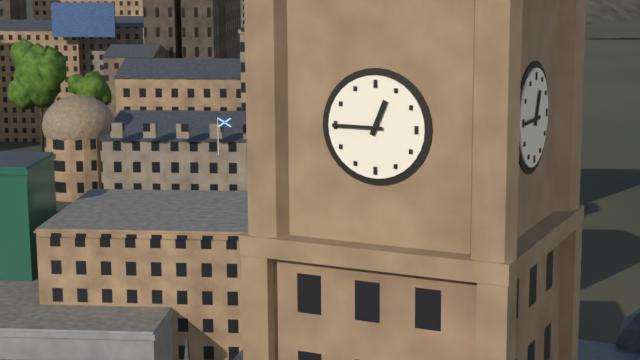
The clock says 12:45
